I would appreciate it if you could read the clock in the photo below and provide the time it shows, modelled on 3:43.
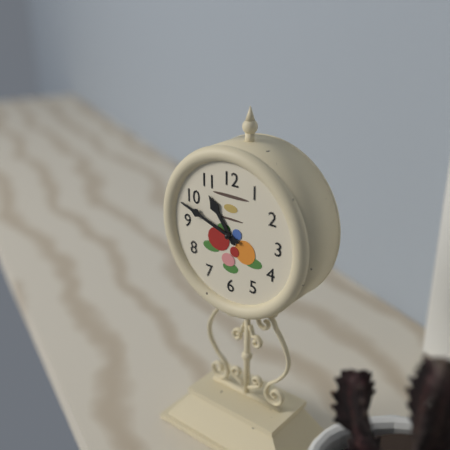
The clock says 10:48
